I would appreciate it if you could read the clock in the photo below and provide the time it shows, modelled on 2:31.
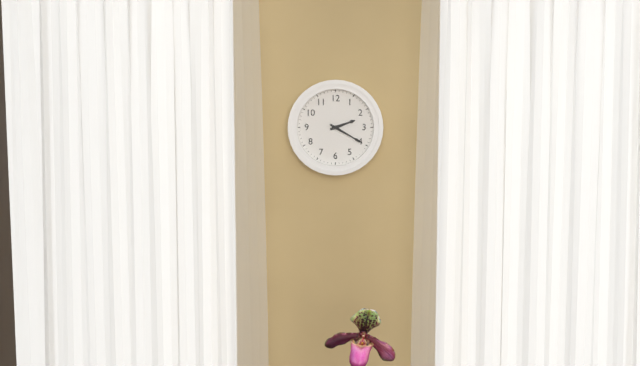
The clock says 2:20
